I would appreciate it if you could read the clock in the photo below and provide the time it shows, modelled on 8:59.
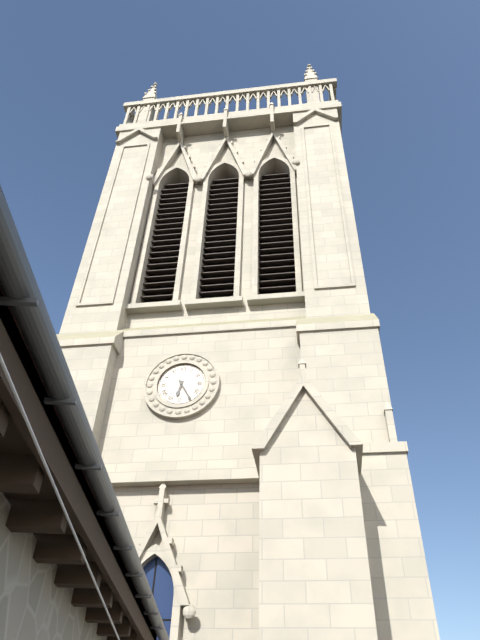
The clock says 6:25
